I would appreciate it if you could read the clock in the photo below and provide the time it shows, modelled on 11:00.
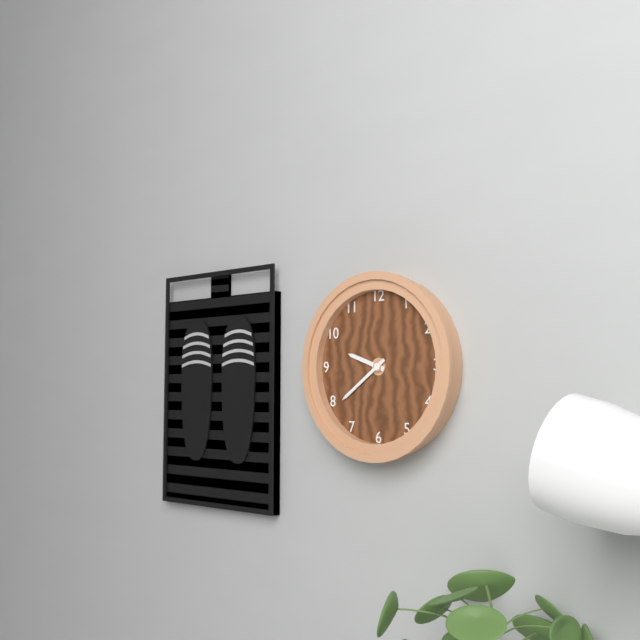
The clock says 9:39
